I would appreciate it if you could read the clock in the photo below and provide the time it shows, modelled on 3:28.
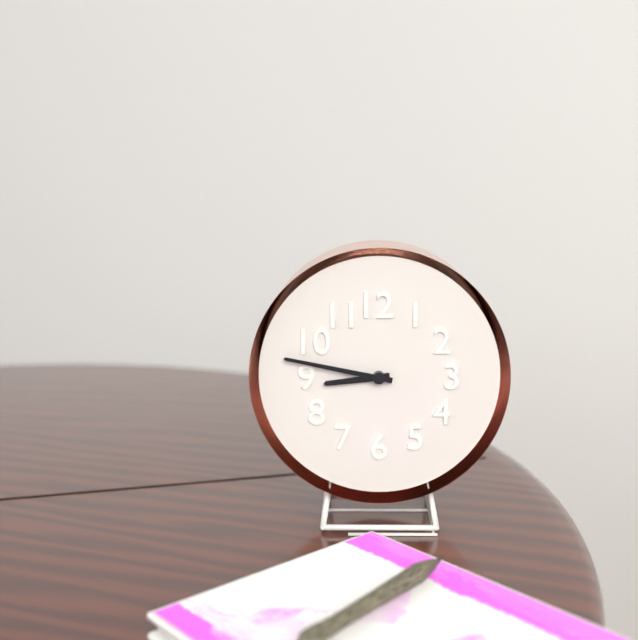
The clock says 8:47
